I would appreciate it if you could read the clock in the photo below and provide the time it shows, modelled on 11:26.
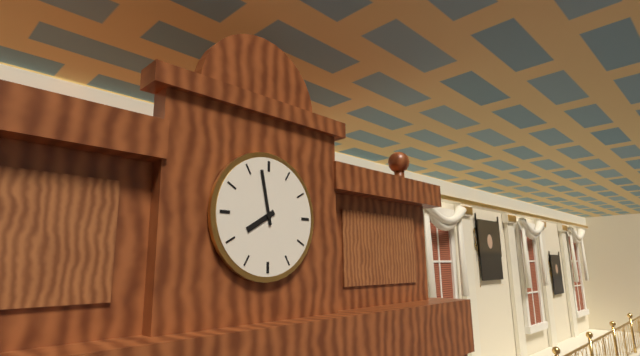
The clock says 7:58
